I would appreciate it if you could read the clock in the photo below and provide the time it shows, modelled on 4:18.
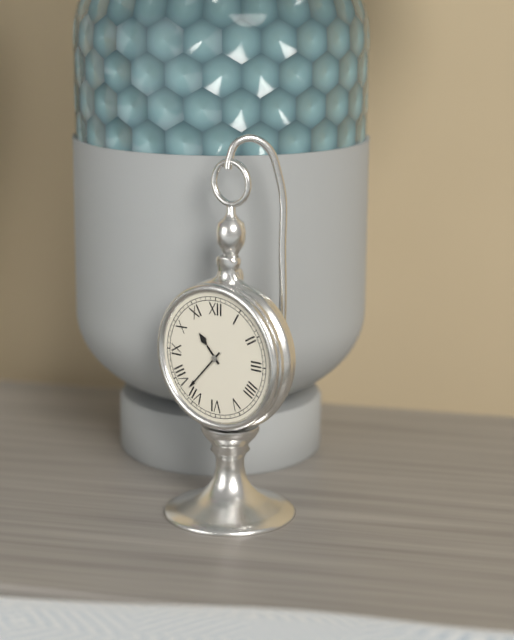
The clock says 10:37
